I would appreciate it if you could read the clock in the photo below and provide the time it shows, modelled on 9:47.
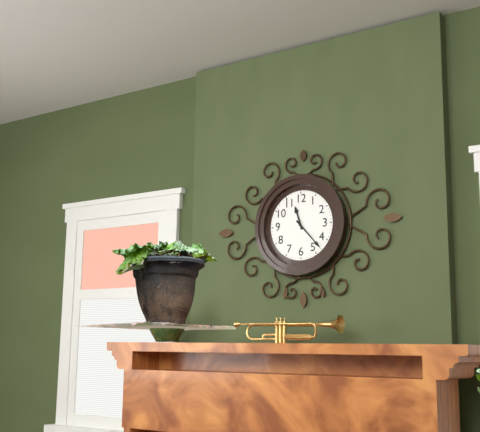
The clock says 11:23
